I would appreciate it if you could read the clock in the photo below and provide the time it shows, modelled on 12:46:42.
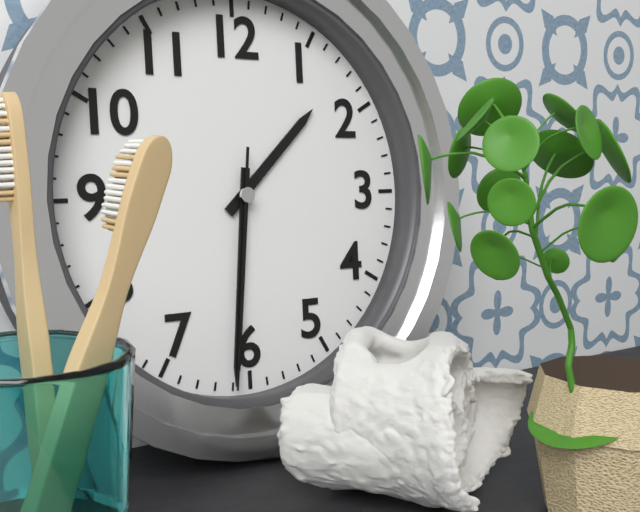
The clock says 1:31:31
